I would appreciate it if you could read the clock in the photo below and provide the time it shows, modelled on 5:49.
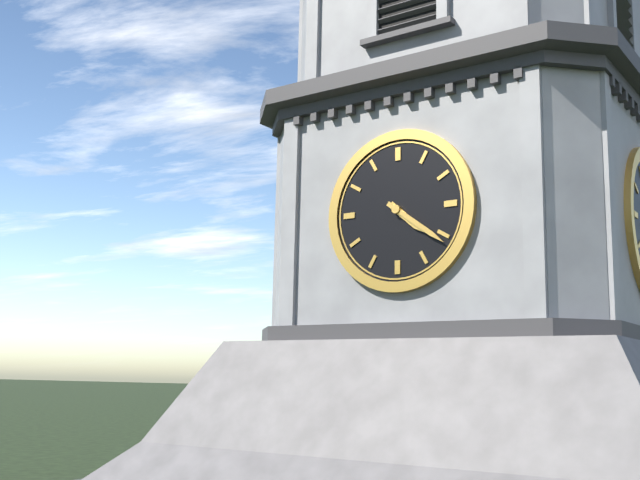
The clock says 4:21
